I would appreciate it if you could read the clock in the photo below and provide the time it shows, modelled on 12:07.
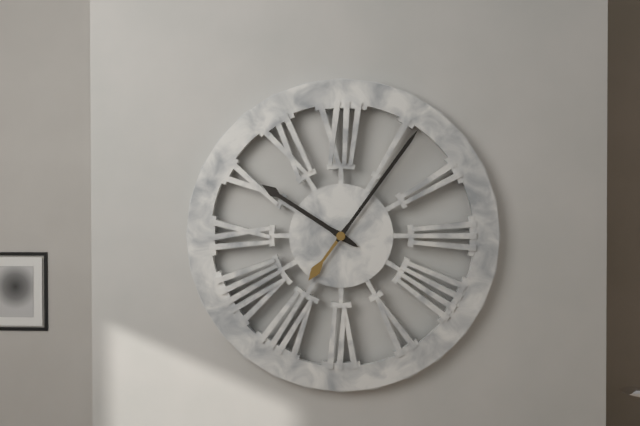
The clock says 10:06
